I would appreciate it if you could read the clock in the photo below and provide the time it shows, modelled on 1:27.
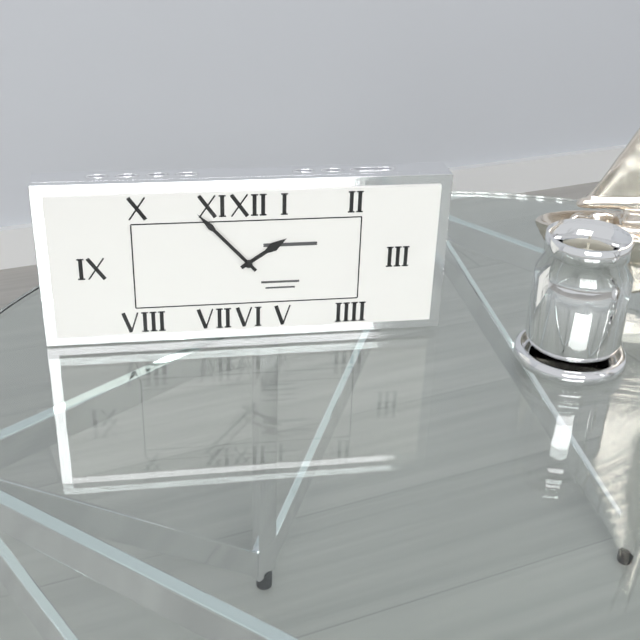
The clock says 1:53
